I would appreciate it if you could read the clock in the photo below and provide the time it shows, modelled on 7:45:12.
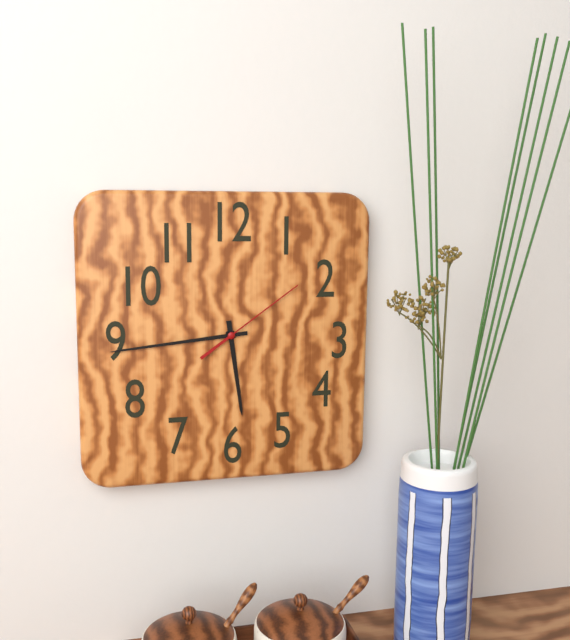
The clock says 5:44:09
